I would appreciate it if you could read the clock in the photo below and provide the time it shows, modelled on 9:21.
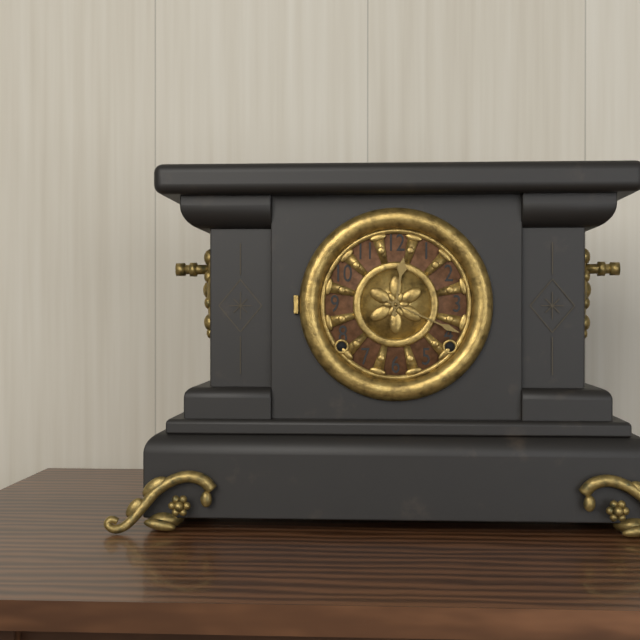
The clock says 12:19
